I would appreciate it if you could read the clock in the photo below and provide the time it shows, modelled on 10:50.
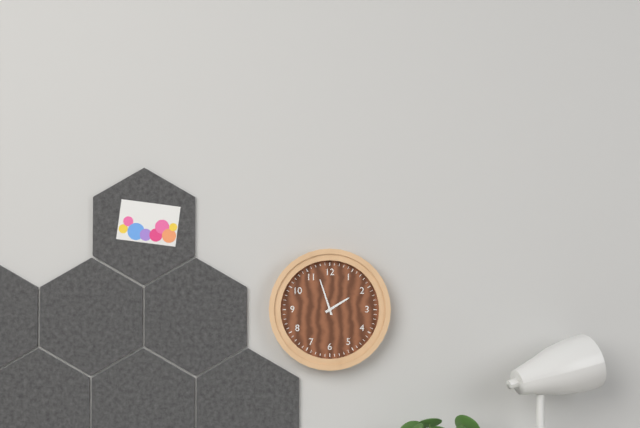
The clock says 1:57
